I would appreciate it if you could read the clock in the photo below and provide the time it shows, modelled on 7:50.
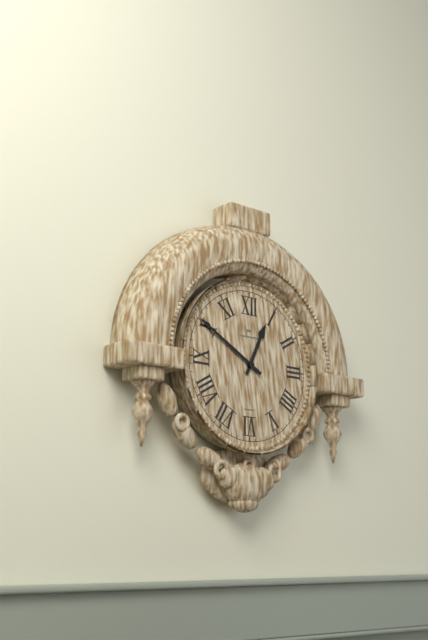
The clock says 12:50
